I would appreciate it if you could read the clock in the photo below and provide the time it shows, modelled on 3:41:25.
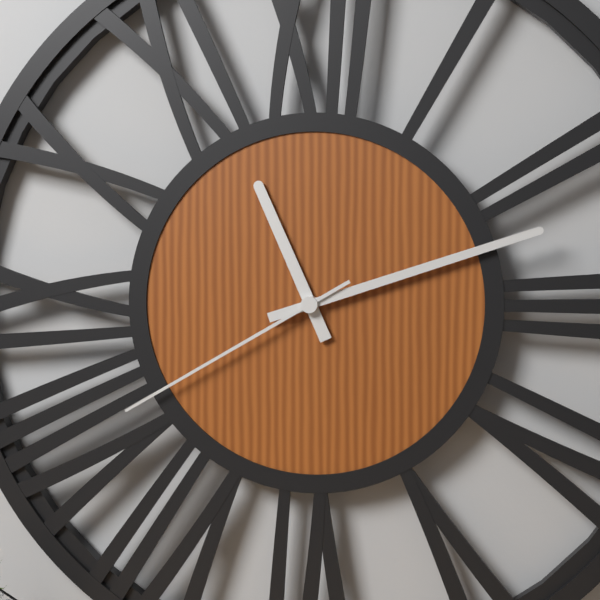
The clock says 11:12:40
